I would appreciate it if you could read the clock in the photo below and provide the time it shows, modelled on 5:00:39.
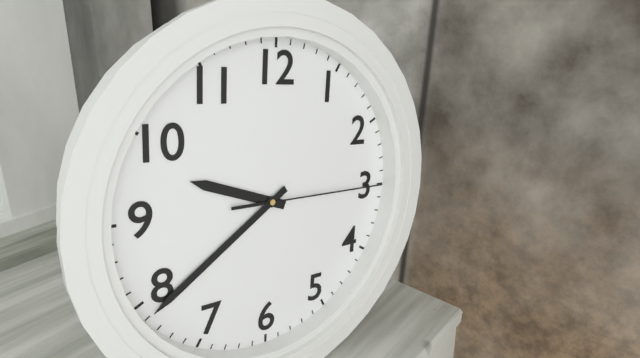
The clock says 9:39:15
